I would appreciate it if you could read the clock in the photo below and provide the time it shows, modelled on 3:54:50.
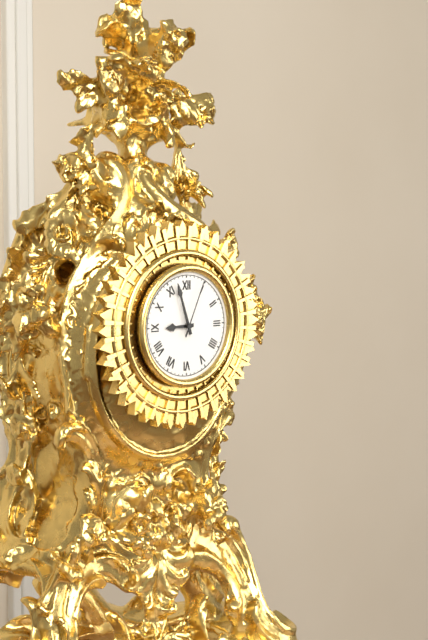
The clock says 8:57:04
